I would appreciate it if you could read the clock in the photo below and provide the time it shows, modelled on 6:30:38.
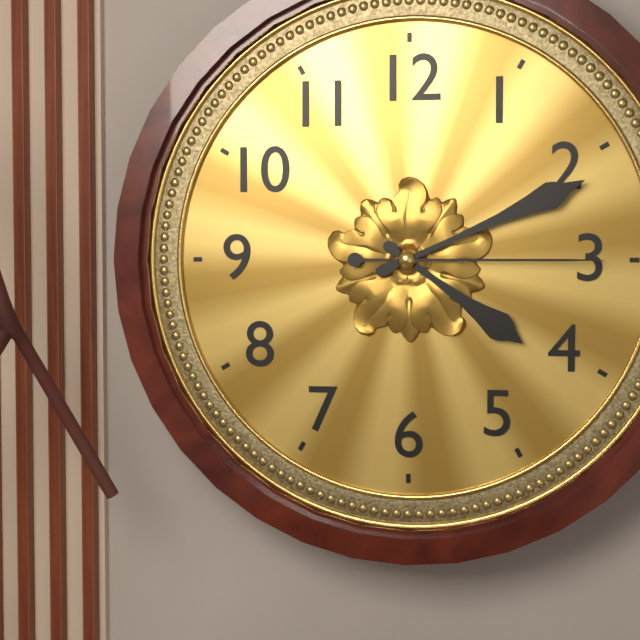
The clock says 4:11:15
